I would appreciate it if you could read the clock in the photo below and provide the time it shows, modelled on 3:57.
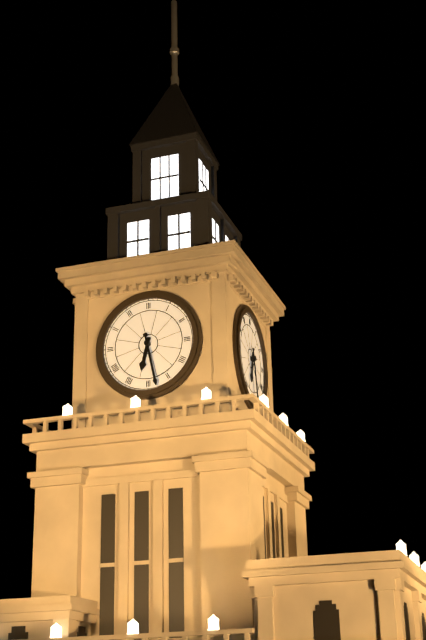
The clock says 6:28
